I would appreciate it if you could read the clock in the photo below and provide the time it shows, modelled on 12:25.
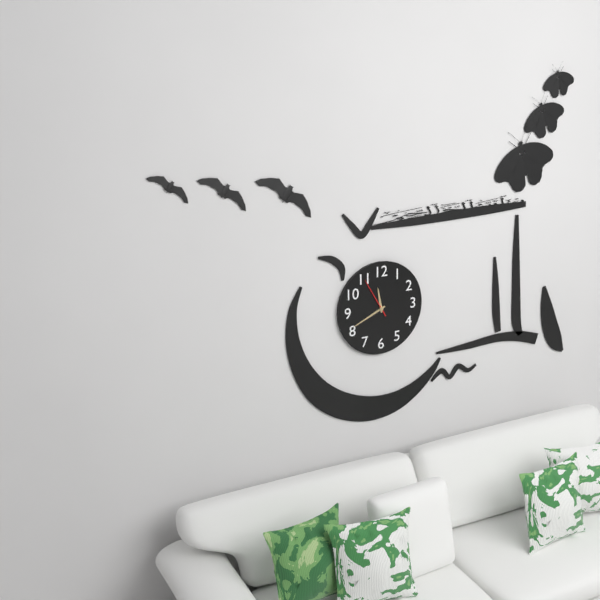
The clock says 11:41
